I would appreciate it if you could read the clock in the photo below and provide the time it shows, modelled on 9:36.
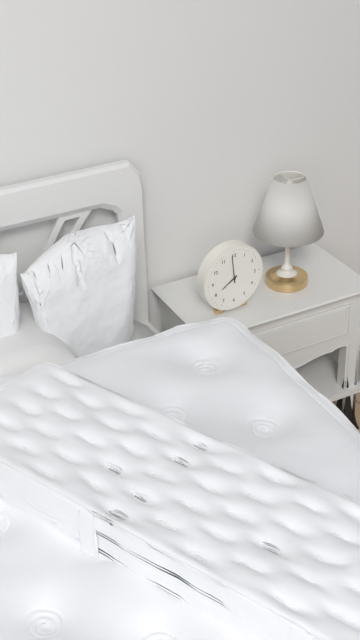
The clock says 7:59
